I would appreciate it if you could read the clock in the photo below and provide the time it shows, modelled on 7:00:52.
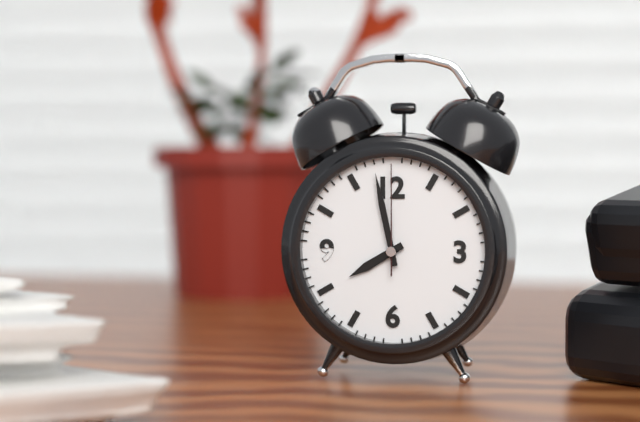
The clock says 7:58:00
